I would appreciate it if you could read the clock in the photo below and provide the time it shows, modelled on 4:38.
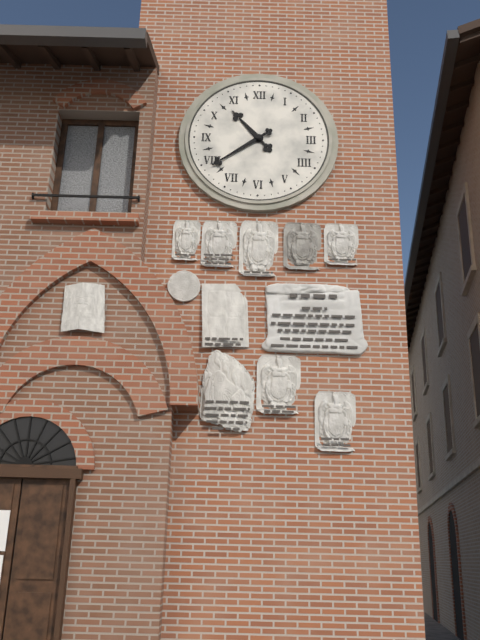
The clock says 10:39
